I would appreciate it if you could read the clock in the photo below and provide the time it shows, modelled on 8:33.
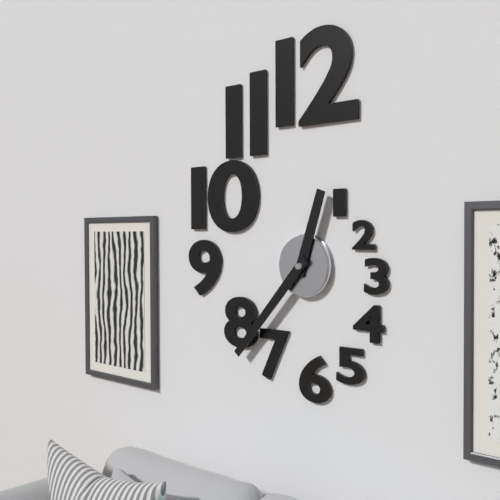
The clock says 12:37
